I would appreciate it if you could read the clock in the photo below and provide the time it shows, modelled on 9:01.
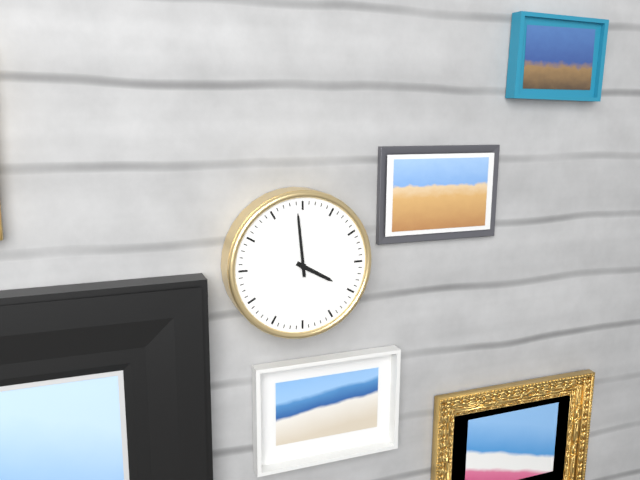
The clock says 3:59
